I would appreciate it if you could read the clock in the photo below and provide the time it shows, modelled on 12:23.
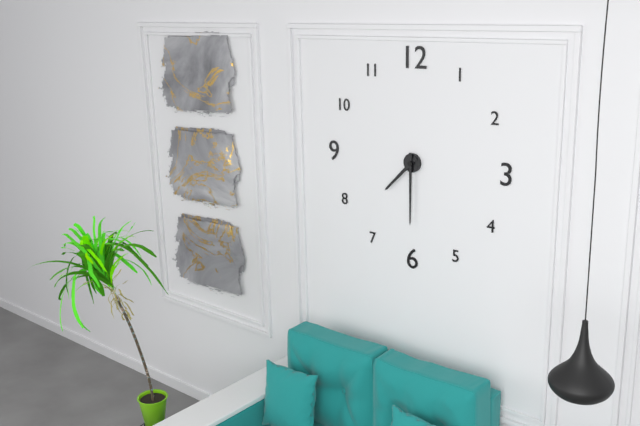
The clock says 7:30
